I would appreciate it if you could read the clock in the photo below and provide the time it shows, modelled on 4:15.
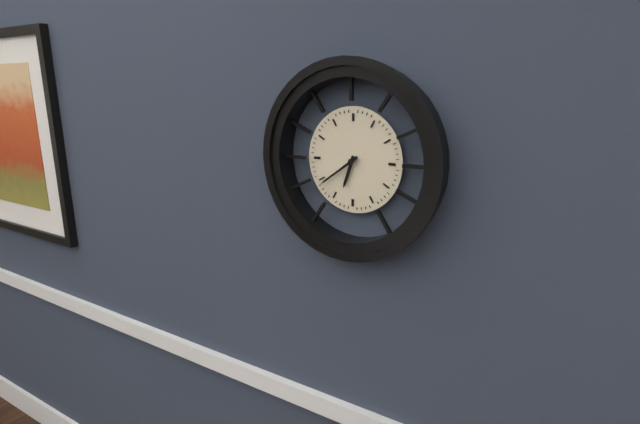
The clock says 6:39
